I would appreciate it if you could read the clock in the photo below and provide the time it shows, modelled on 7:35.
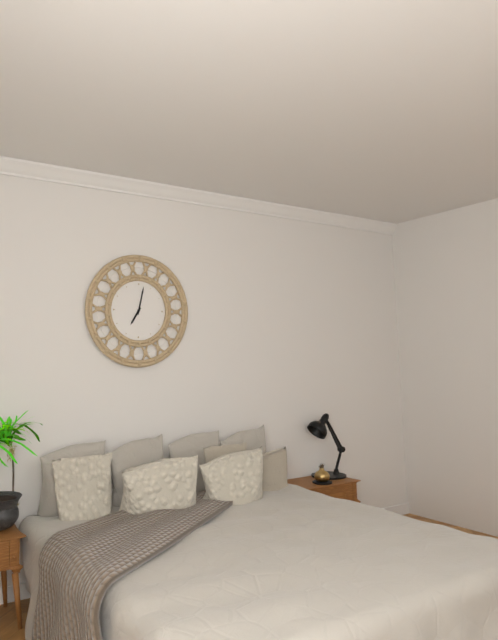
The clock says 7:02
